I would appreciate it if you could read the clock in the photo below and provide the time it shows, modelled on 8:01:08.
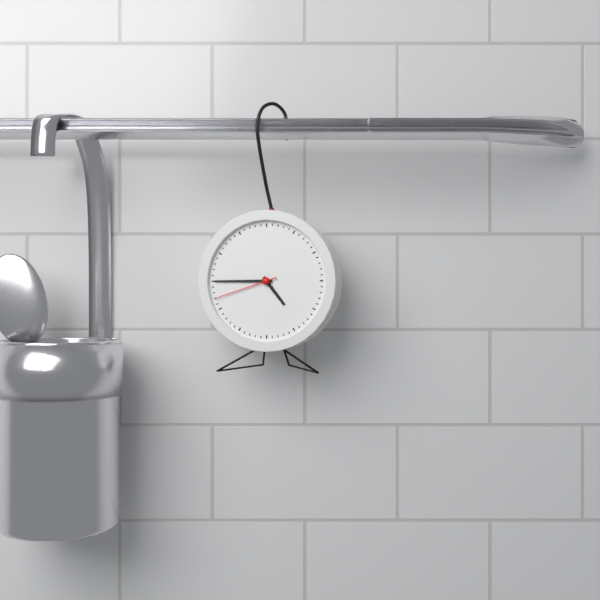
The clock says 4:45:42
